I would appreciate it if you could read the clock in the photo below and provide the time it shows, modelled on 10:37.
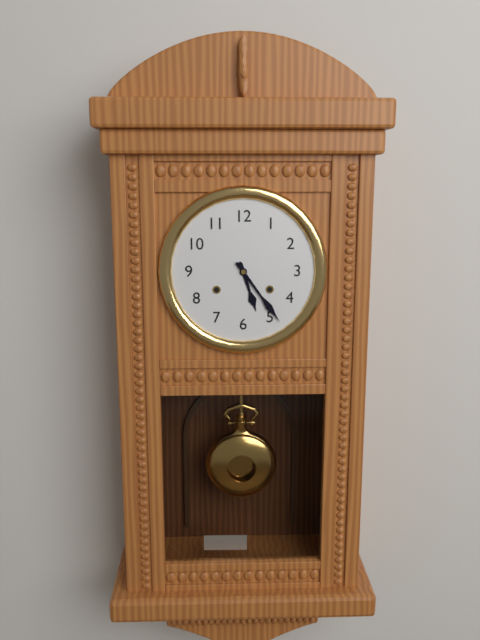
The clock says 5:24
